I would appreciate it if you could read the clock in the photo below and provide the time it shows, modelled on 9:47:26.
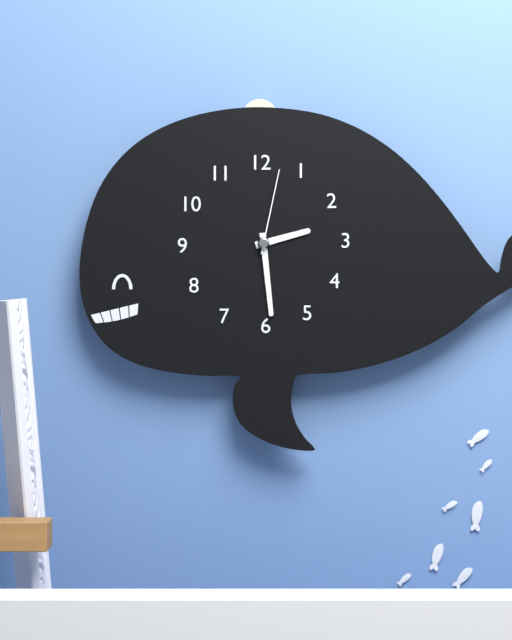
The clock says 2:29:02
